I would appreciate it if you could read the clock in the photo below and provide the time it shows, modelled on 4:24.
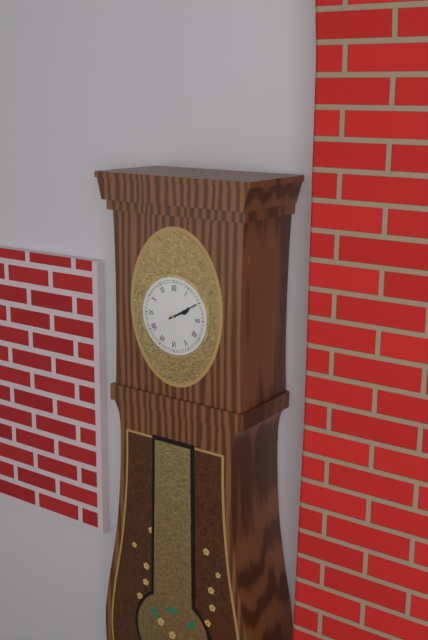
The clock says 2:10
